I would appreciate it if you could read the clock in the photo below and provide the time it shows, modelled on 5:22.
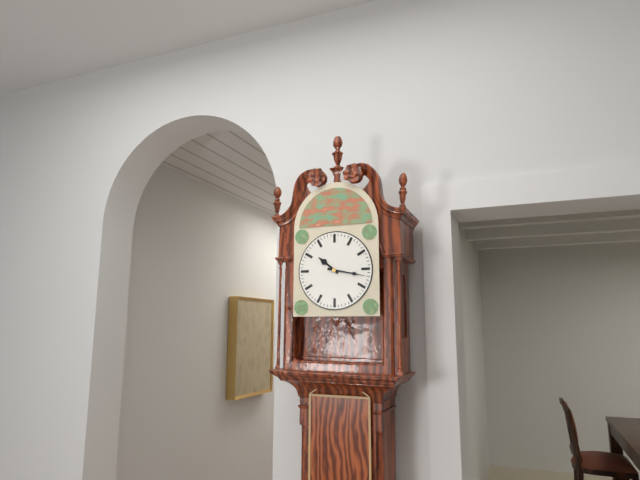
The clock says 10:17
